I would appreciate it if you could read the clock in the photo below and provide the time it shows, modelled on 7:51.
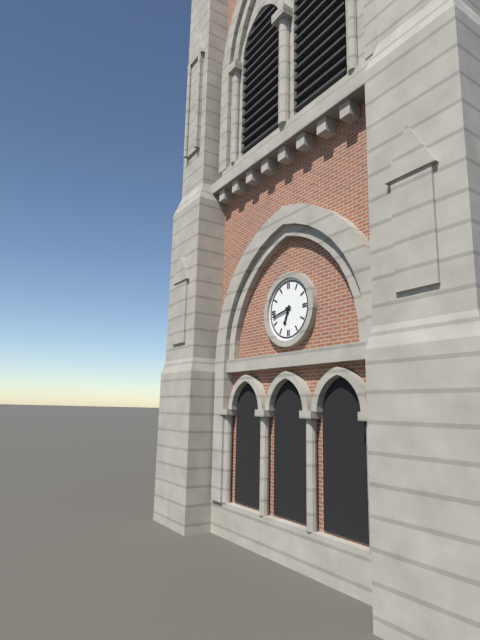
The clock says 6:43
